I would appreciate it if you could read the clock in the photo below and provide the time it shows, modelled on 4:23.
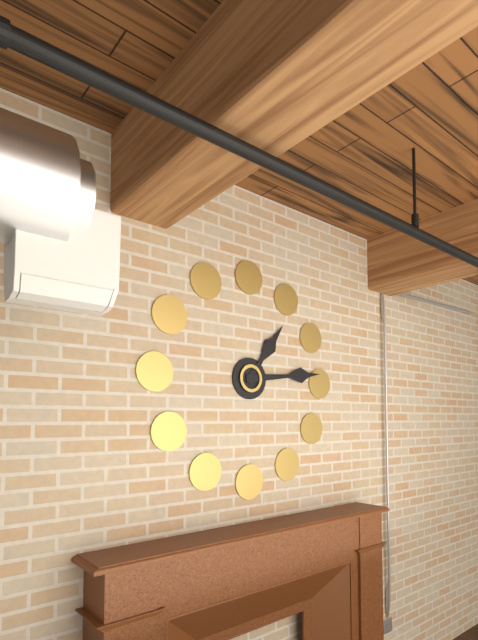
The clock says 1:14
